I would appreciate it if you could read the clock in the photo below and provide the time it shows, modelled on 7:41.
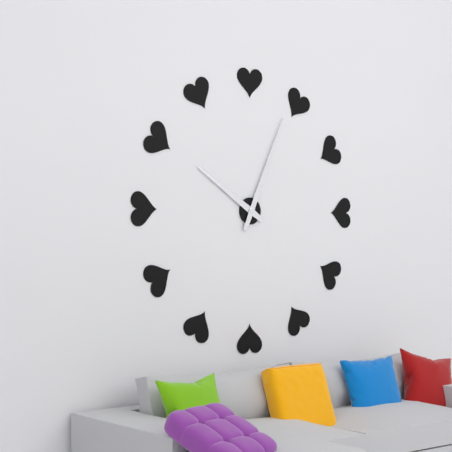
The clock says 10:04
